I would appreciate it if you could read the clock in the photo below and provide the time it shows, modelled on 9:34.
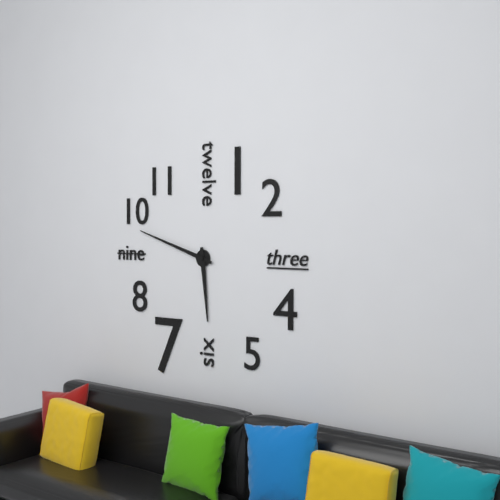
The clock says 5:48
